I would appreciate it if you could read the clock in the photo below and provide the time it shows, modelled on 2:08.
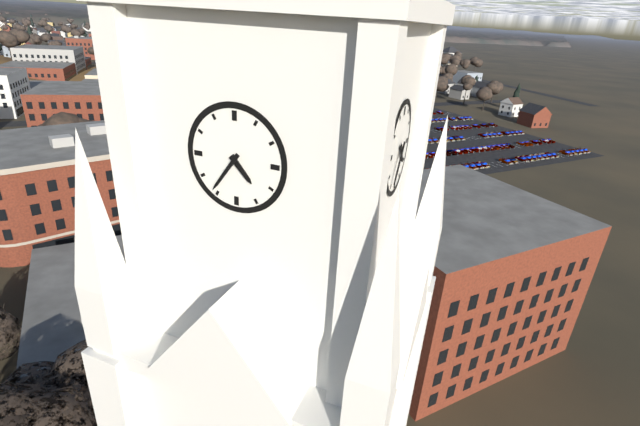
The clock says 4:36
